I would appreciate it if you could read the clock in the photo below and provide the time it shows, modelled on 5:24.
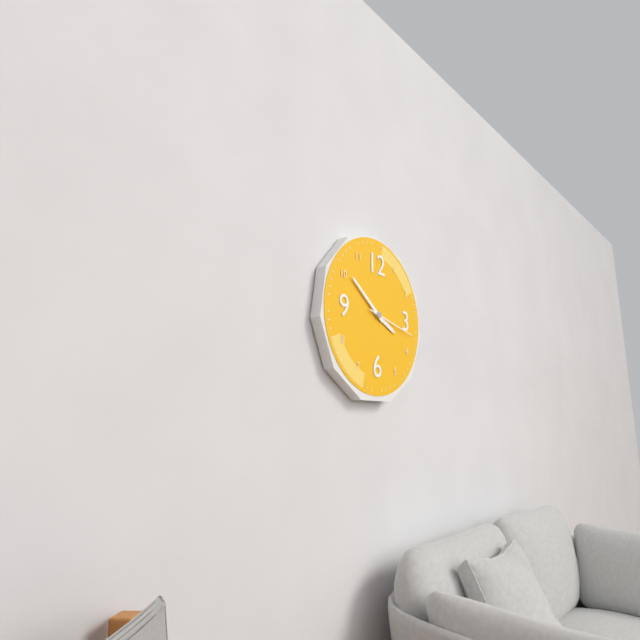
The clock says 3:51
